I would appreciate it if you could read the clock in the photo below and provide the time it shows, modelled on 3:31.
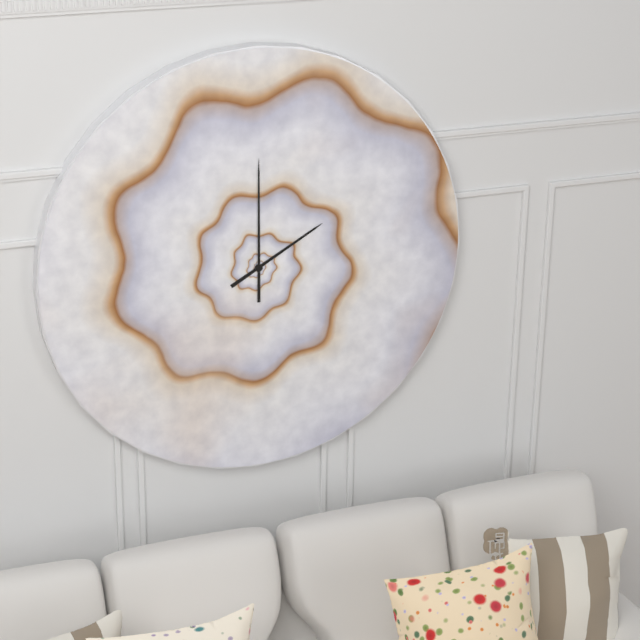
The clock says 2:00
